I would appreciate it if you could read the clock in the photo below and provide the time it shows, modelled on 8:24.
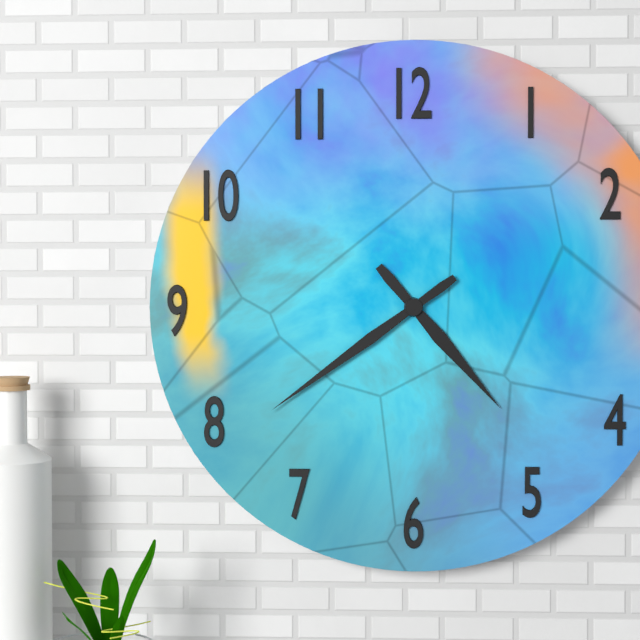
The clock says 4:39
